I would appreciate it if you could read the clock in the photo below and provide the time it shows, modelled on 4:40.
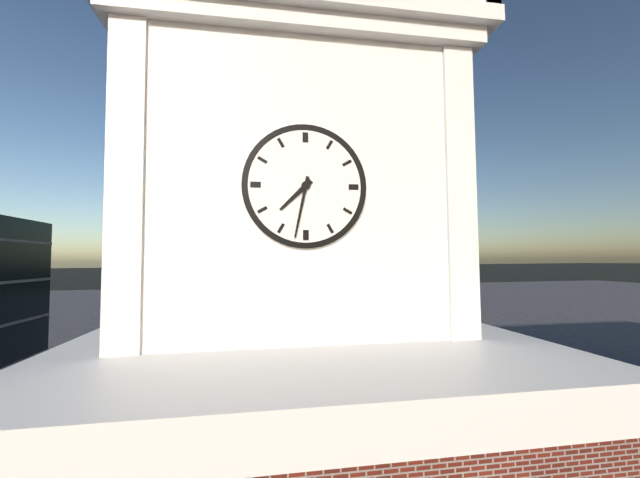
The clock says 7:32
